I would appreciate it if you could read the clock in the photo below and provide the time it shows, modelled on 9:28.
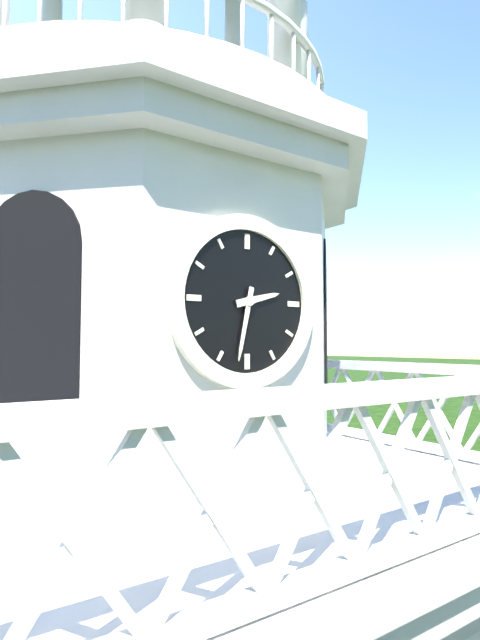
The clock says 2:32
